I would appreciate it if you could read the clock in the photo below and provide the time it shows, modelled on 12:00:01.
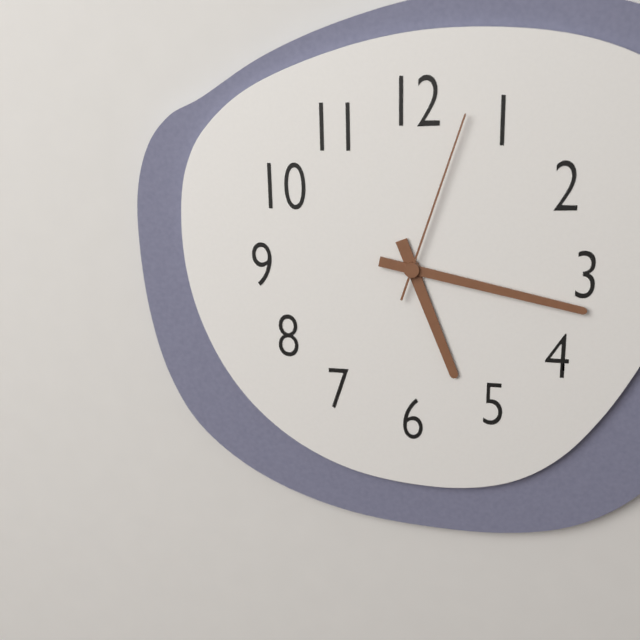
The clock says 5:17:03
